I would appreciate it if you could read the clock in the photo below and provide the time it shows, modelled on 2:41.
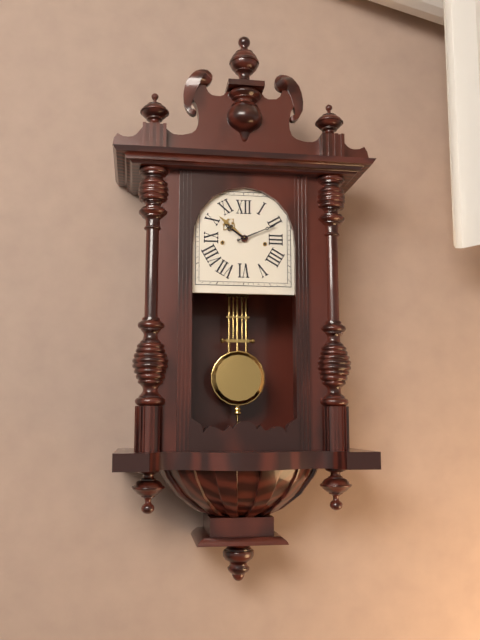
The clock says 10:11
